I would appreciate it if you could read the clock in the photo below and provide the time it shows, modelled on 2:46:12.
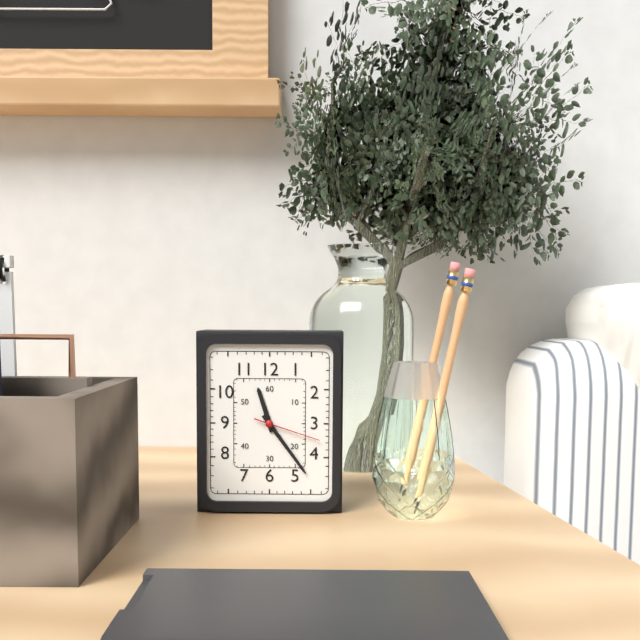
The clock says 11:24:18
